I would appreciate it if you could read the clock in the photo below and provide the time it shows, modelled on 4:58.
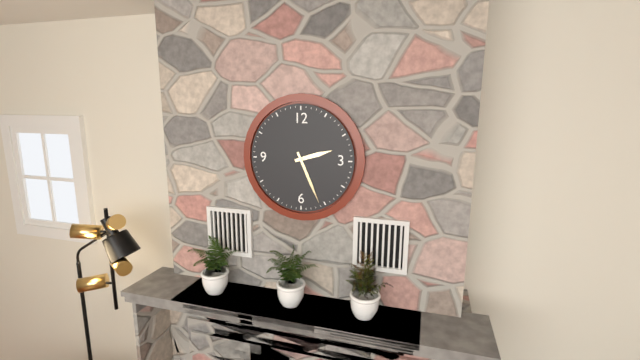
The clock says 2:26
